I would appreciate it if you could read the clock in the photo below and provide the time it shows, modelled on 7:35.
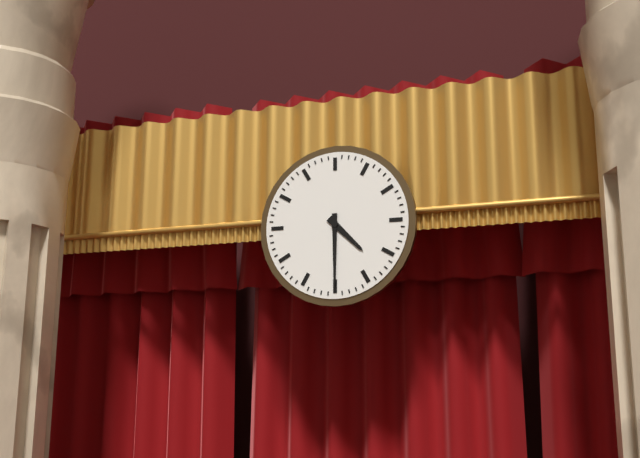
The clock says 4:30
